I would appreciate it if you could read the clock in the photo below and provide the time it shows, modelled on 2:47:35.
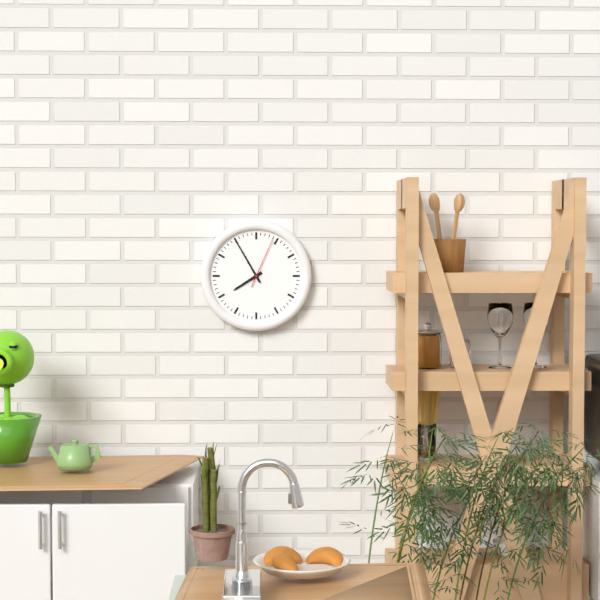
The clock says 7:55:04
